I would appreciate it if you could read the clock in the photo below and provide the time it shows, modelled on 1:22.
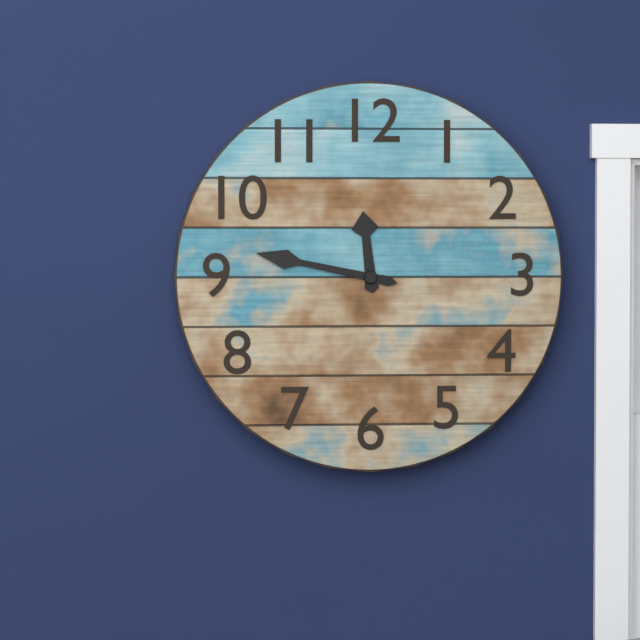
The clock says 11:47
